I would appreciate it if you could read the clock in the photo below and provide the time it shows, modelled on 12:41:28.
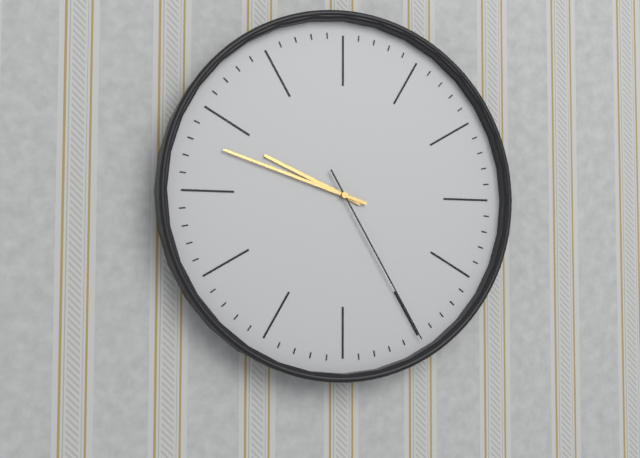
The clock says 9:48:25
